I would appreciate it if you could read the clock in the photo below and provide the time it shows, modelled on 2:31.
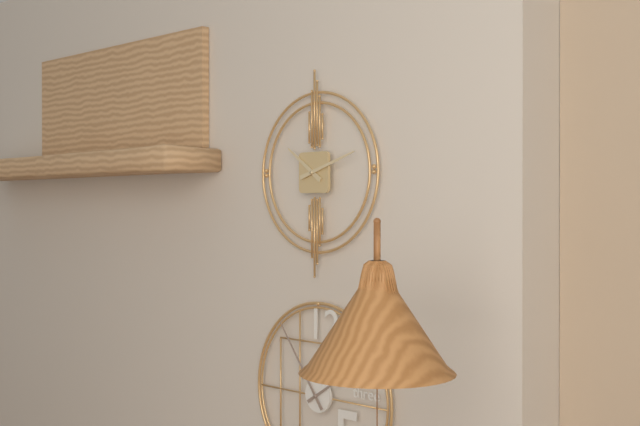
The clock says 10:12
